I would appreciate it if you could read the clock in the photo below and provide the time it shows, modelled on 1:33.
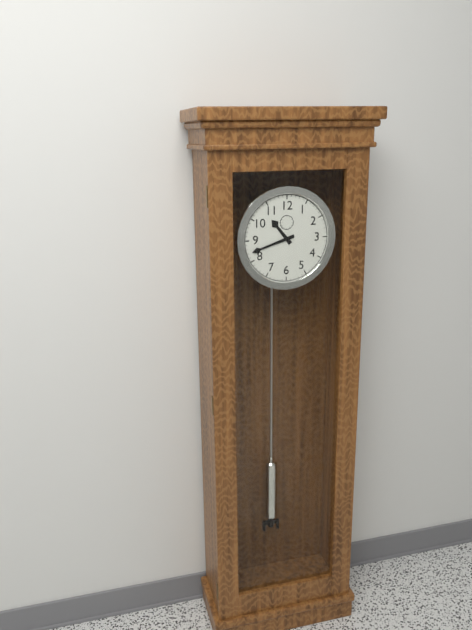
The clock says 10:42
